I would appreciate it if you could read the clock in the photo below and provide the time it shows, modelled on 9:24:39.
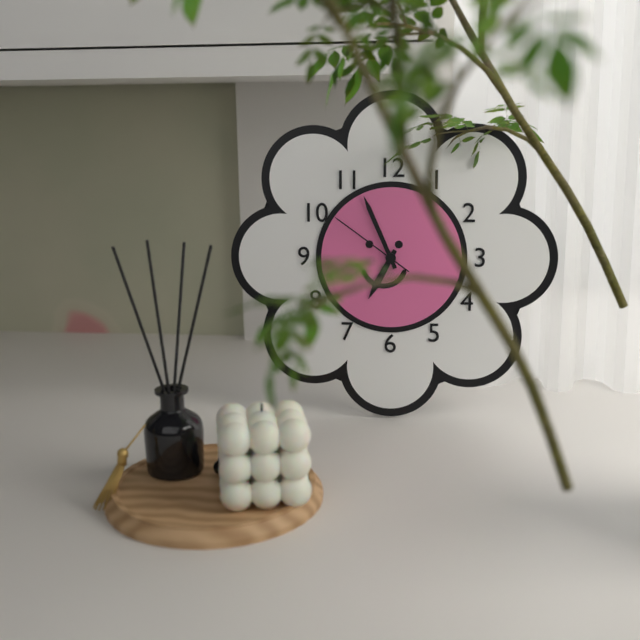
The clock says 6:56:51
